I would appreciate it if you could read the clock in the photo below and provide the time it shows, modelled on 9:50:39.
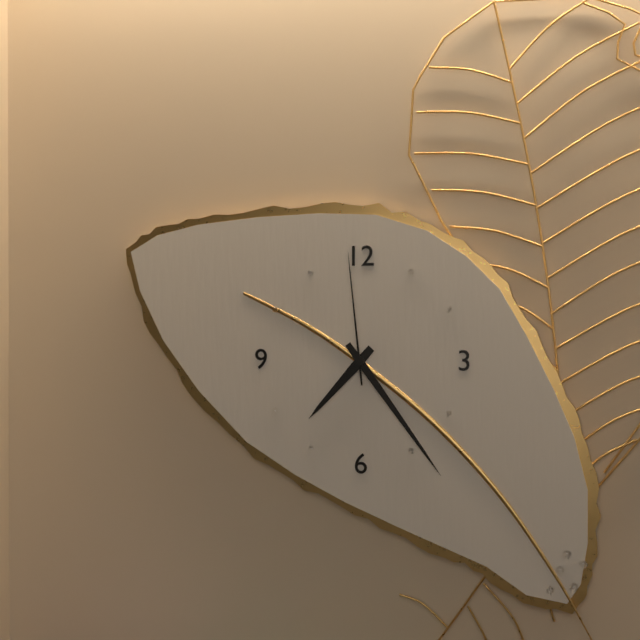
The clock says 7:24:59
